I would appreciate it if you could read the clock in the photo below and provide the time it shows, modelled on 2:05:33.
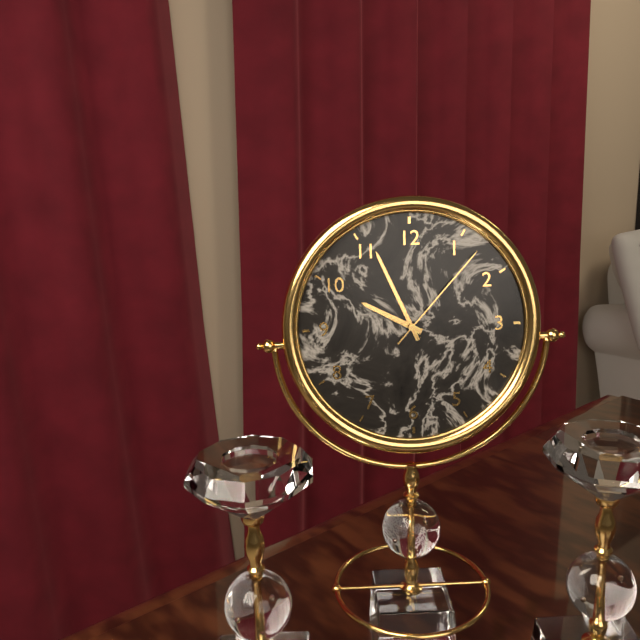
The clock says 9:56:07
